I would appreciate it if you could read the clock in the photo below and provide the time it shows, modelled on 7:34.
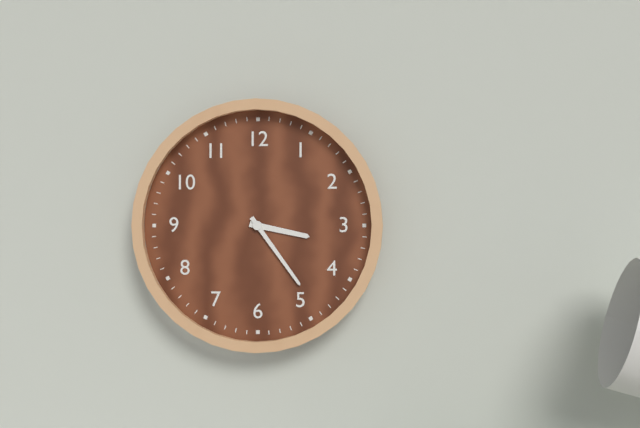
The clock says 3:24
